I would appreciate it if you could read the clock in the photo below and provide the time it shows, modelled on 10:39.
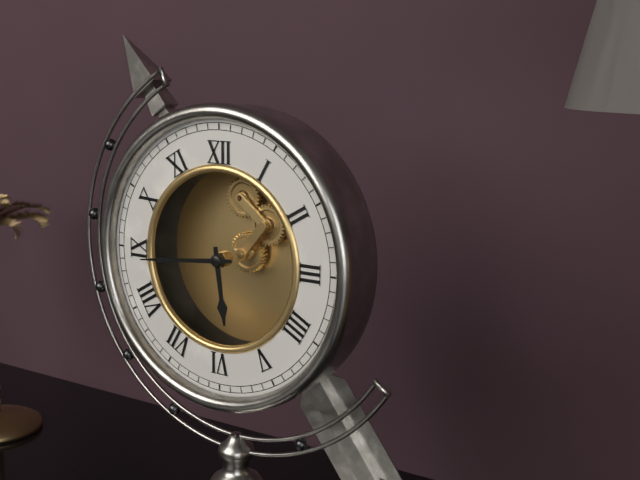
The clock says 5:44
